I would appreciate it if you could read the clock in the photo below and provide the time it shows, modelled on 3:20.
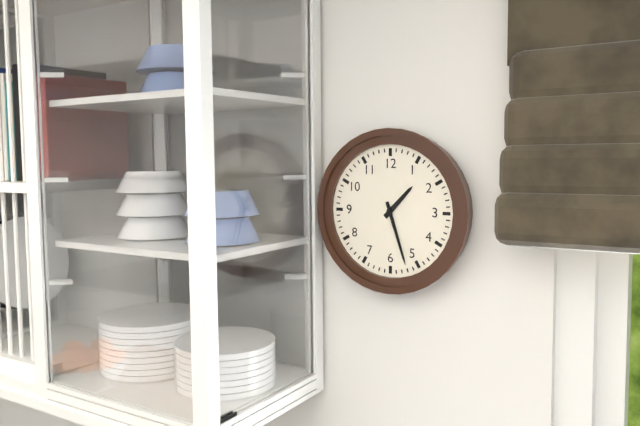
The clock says 1:27
